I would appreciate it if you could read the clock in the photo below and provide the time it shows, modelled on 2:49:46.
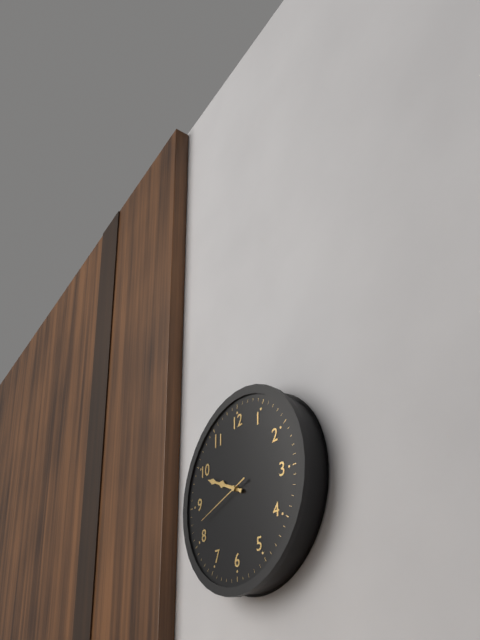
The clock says 9:49:42
